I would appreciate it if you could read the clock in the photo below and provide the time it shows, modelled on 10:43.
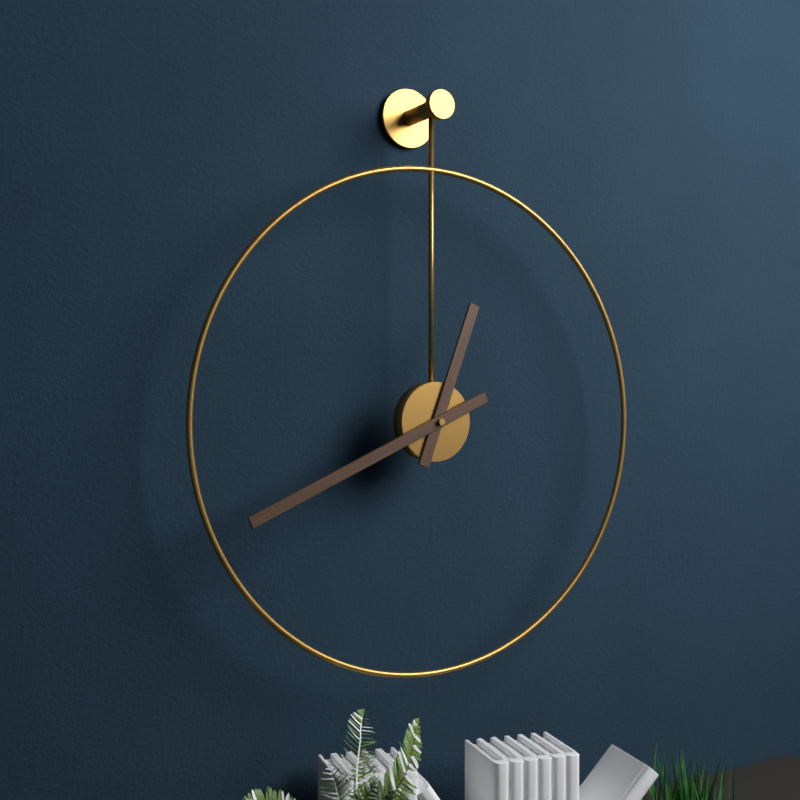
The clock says 12:41
